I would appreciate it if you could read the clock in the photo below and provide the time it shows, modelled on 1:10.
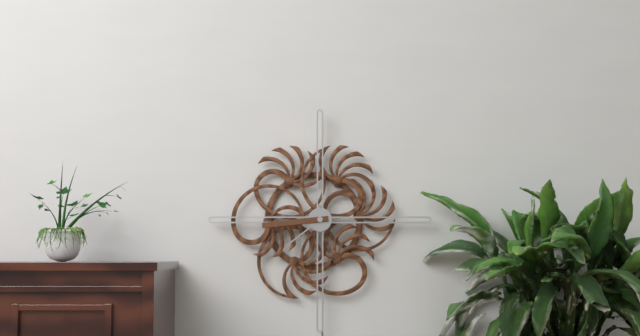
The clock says 7:44
